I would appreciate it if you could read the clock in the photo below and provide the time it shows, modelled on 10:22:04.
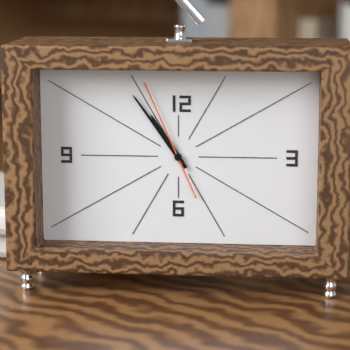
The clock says 10:54:56
